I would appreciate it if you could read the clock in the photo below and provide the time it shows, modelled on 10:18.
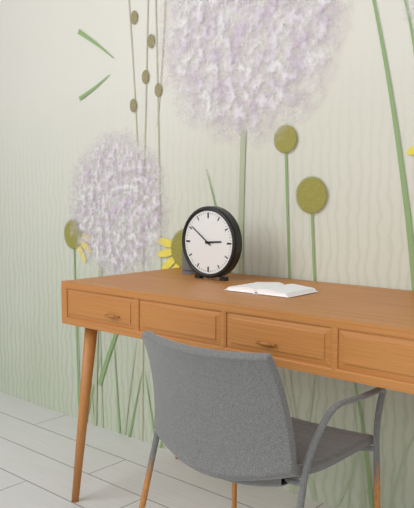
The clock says 2:51
